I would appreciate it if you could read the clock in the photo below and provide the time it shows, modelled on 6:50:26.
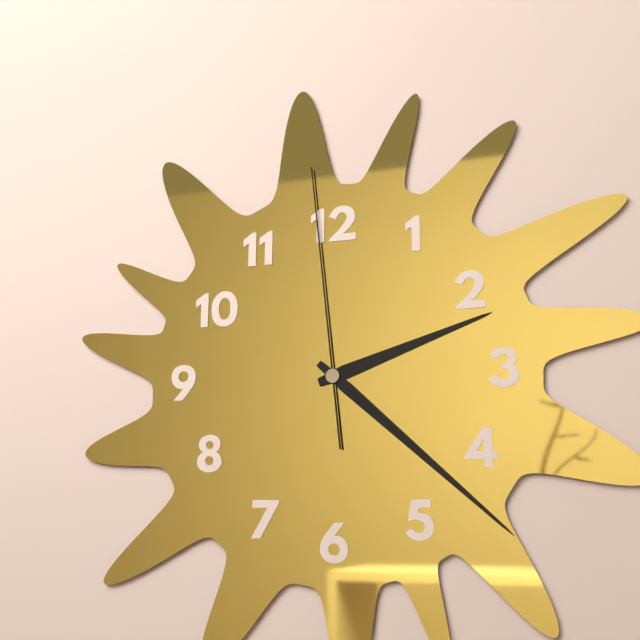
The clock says 2:22:59
